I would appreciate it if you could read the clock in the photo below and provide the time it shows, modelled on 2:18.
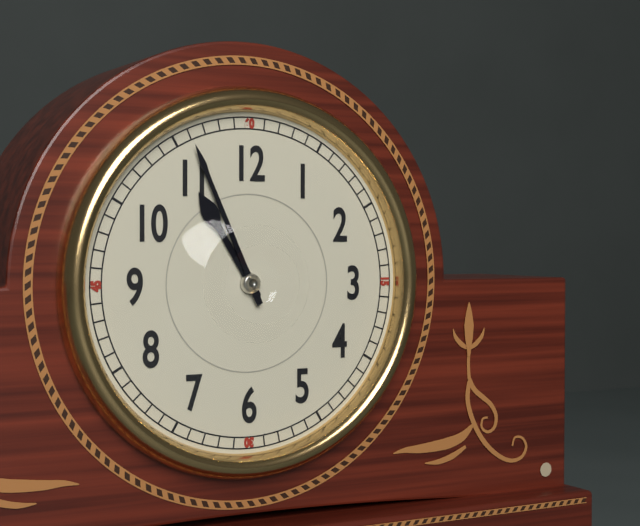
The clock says 10:56
